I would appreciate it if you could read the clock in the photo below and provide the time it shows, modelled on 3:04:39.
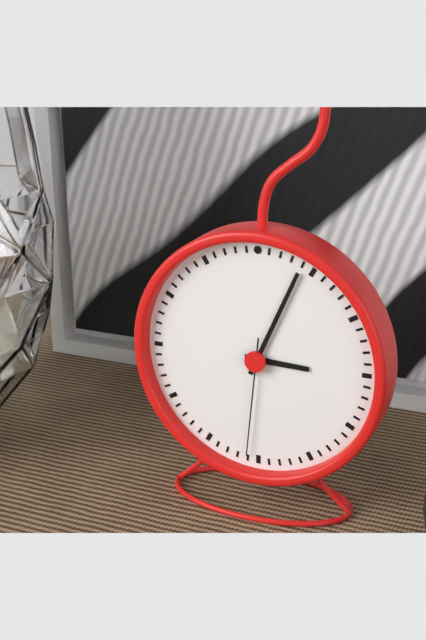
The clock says 3:04:31
